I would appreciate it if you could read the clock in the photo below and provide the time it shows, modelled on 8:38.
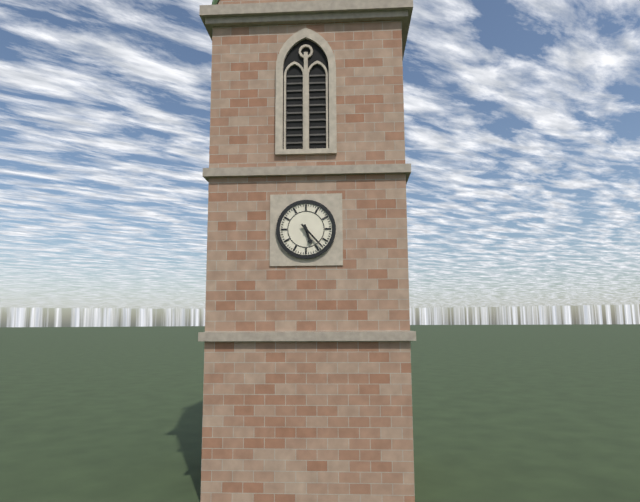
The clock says 5:23
